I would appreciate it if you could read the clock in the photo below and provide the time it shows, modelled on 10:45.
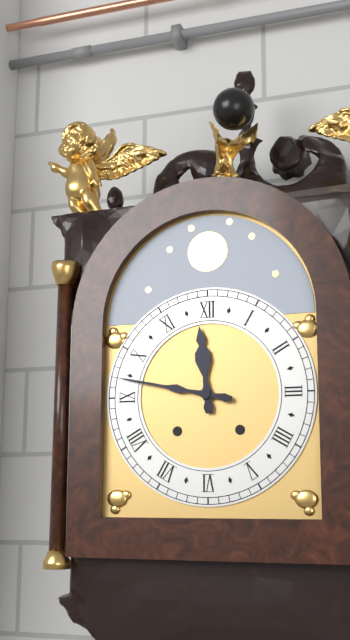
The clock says 11:47
